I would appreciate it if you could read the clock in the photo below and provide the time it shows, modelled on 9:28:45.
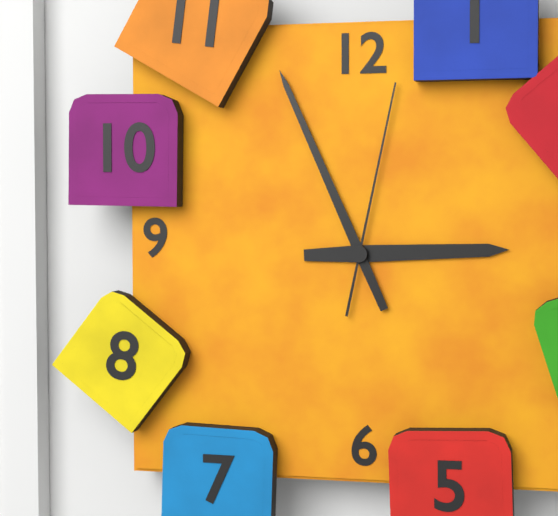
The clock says 2:56:02
